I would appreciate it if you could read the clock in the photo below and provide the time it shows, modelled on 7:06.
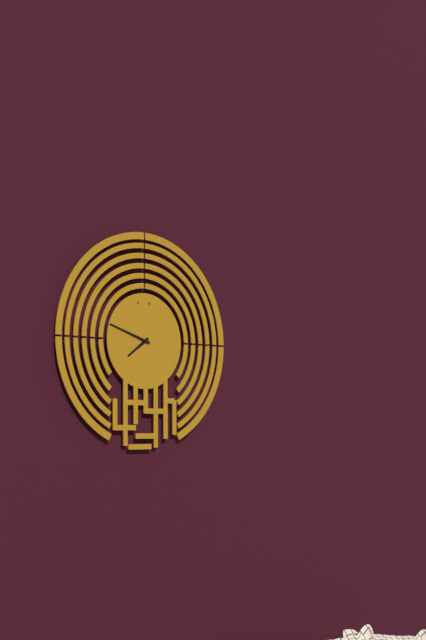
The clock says 7:48
